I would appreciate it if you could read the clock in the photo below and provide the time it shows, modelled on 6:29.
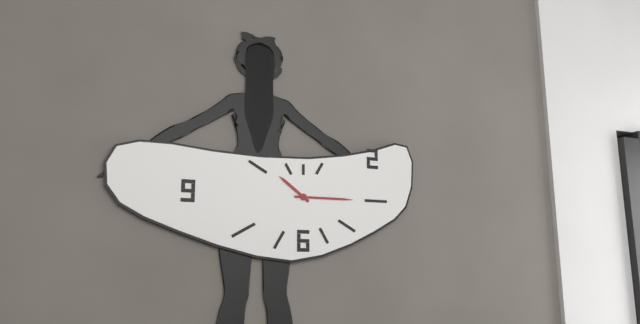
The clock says 10:15
